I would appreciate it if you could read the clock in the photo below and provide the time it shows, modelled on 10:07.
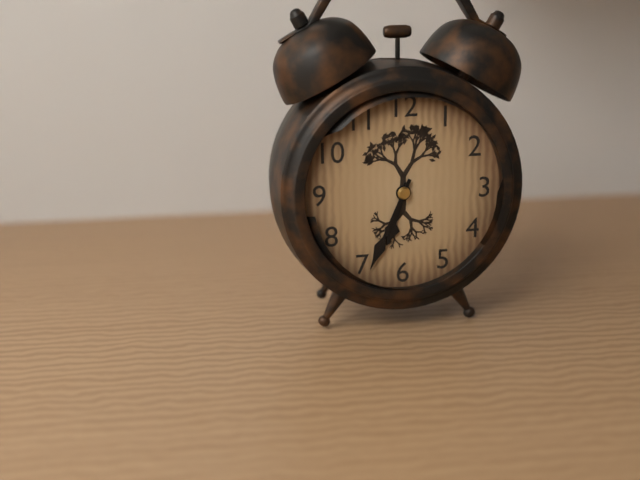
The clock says 6:34
